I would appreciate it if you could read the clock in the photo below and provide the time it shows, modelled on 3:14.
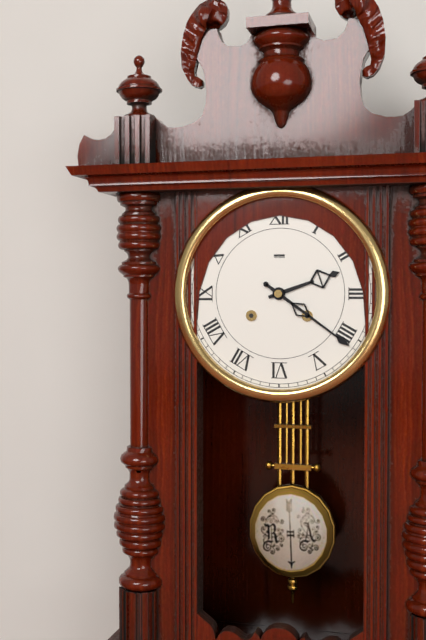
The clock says 2:21
